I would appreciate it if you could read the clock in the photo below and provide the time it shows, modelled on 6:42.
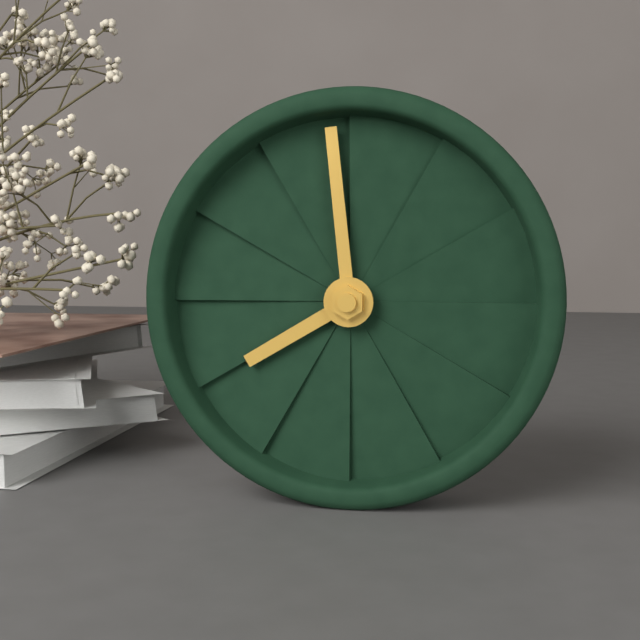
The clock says 7:59
